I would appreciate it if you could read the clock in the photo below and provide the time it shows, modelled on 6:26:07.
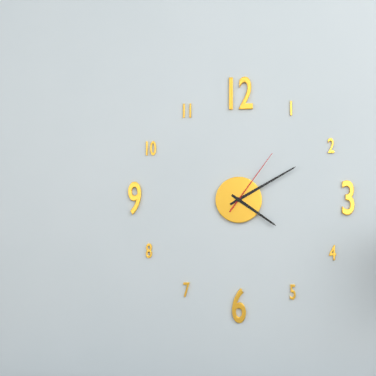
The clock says 4:10:06
